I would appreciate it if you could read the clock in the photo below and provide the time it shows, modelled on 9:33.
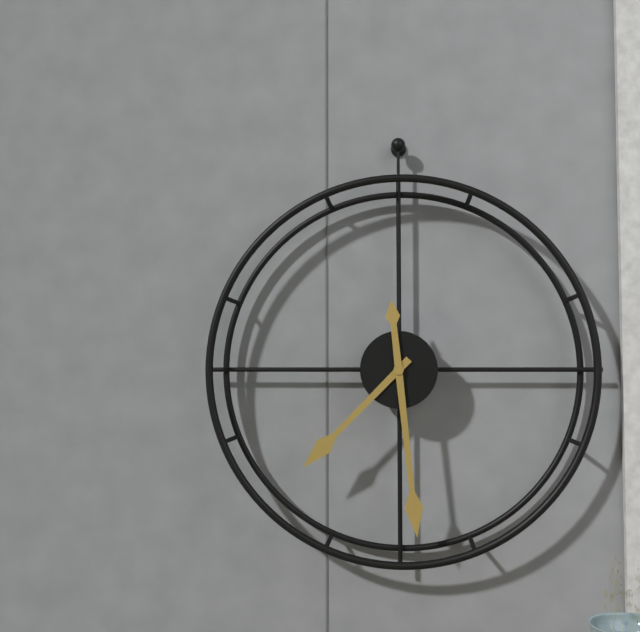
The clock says 7:29
